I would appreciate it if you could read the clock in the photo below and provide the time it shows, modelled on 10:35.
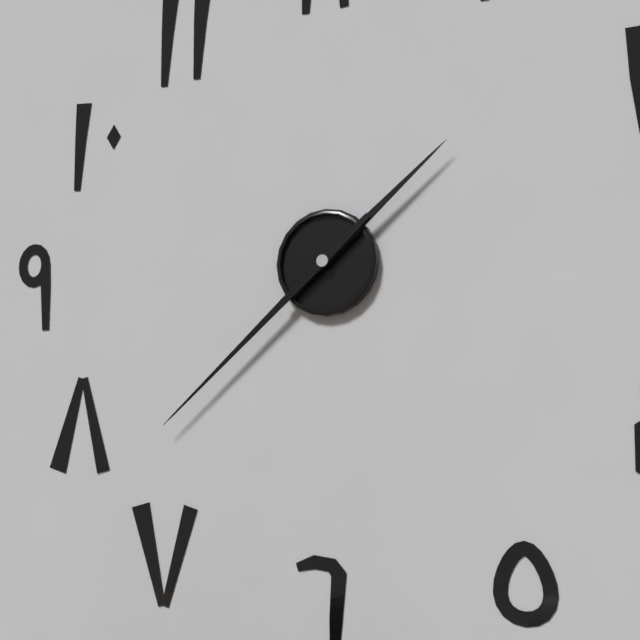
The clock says 1:38
